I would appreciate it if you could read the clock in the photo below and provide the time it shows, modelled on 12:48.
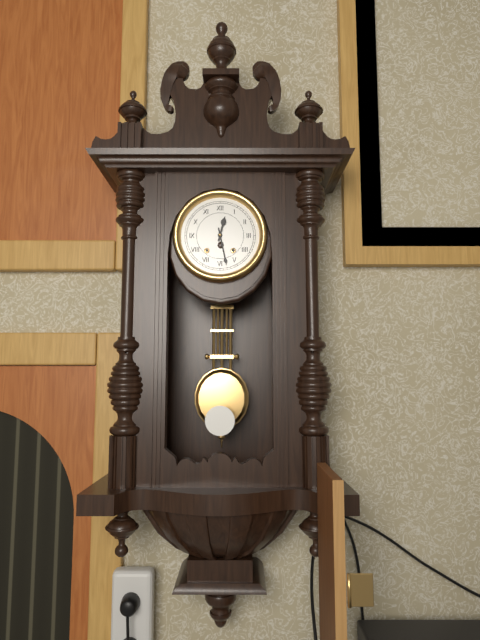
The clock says 12:28
